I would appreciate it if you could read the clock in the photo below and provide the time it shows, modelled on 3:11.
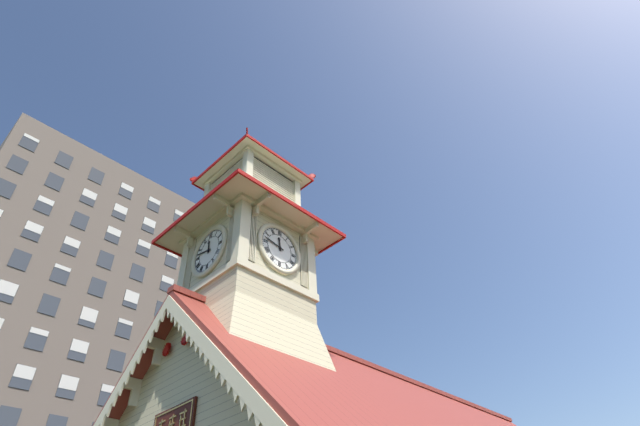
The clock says 11:47
